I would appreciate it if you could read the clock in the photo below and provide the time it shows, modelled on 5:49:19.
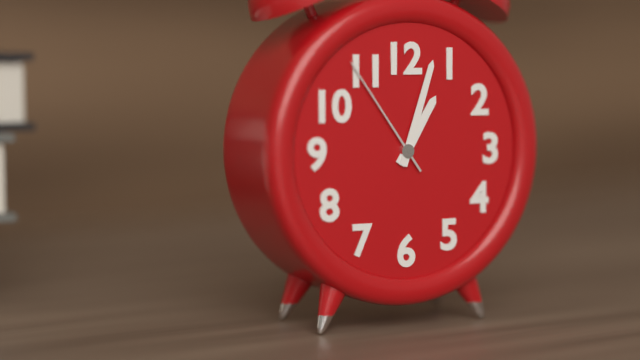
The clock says 1:03:54
